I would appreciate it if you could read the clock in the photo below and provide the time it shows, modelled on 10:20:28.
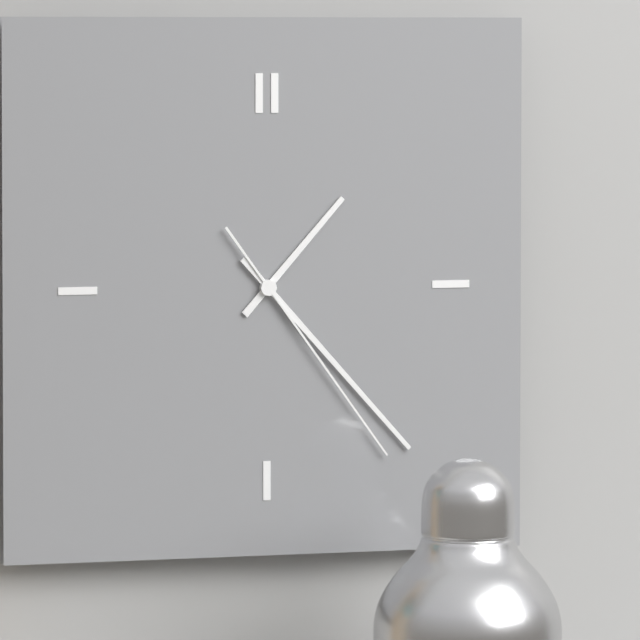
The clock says 1:23:24
